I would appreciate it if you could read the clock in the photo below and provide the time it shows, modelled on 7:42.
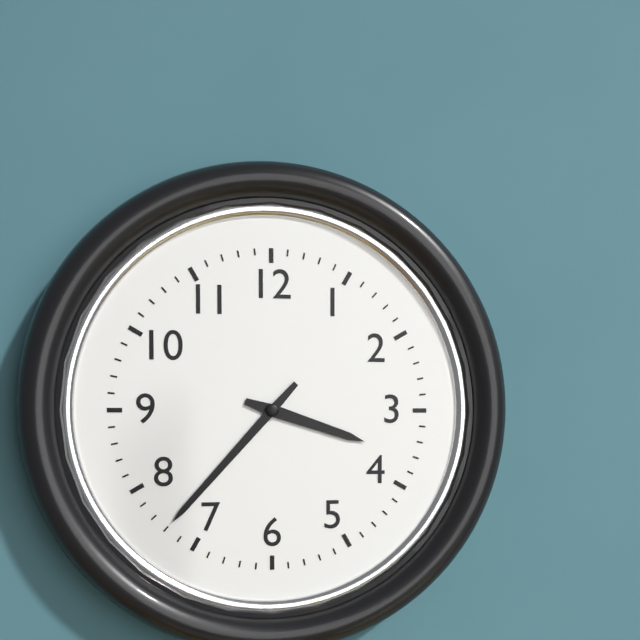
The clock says 3:37
